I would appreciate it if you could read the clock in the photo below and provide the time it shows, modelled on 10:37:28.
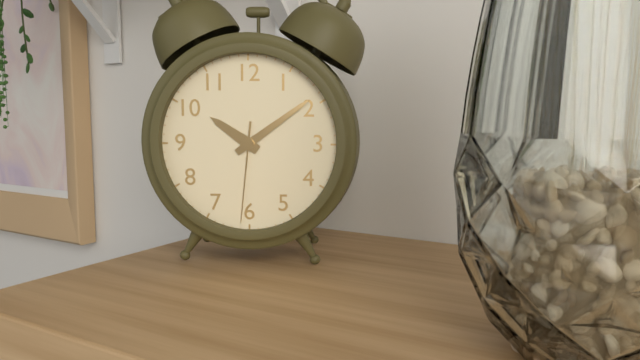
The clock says 10:09:31
